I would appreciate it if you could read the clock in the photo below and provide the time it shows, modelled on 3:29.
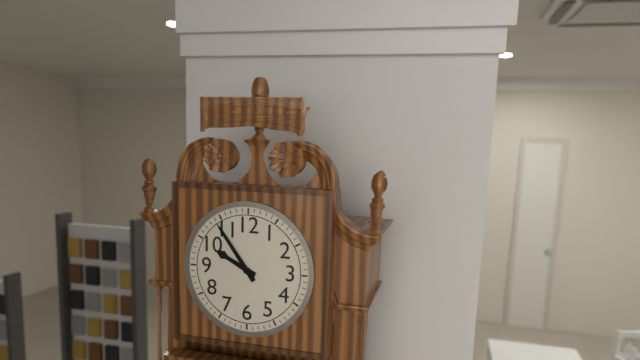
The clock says 9:54
